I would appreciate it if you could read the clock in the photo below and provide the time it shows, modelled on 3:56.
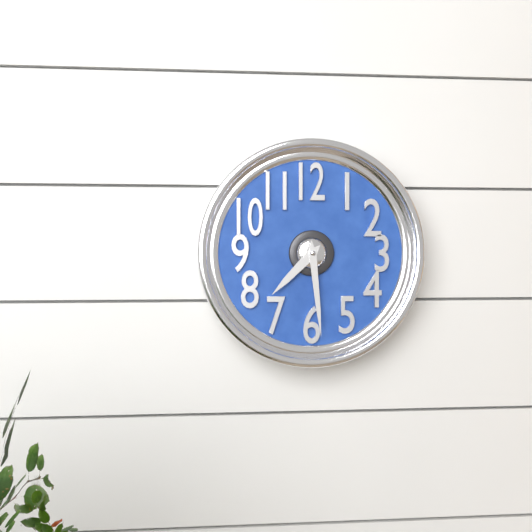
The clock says 7:29
